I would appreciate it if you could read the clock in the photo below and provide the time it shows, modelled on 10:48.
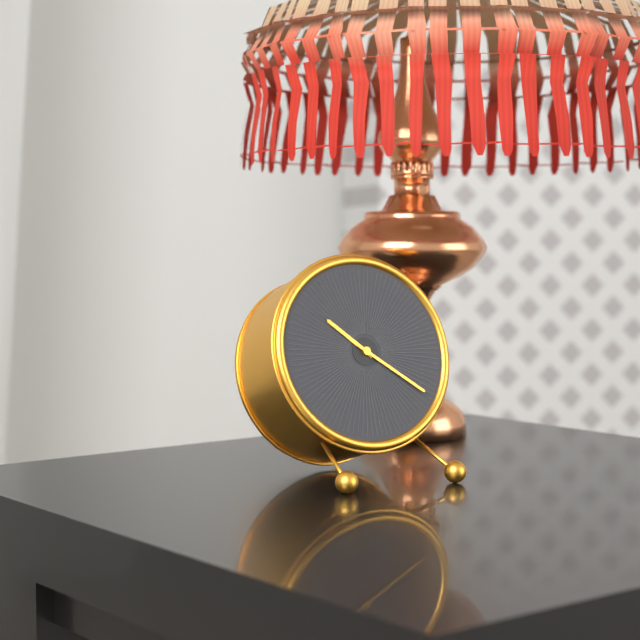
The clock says 10:21
